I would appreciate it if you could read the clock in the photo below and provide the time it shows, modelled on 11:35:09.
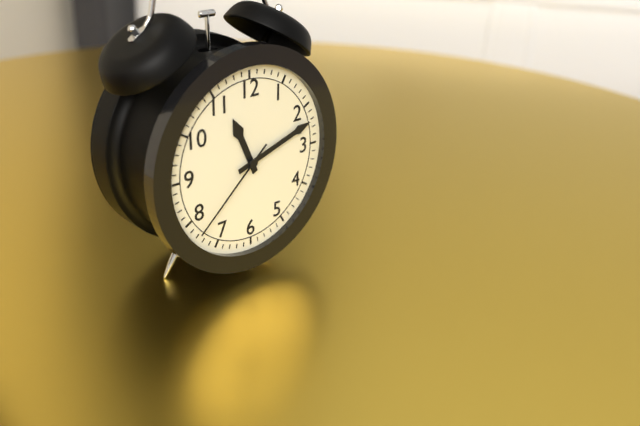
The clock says 11:12:38
